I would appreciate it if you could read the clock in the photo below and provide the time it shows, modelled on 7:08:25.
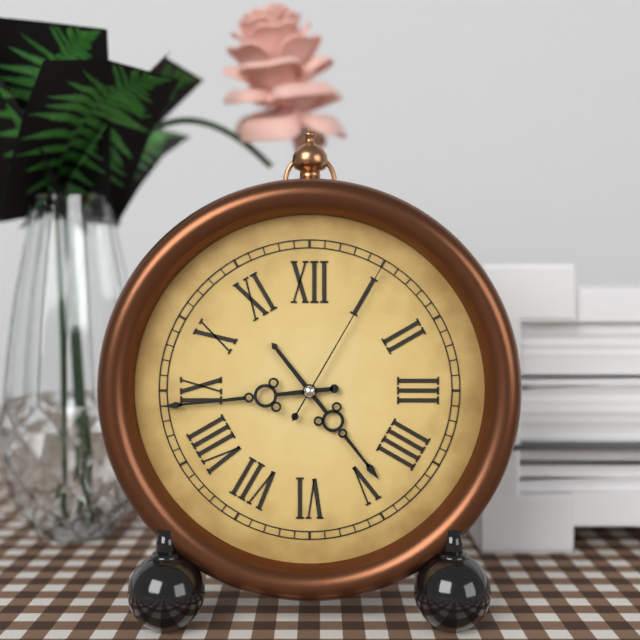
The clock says 4:44:05
